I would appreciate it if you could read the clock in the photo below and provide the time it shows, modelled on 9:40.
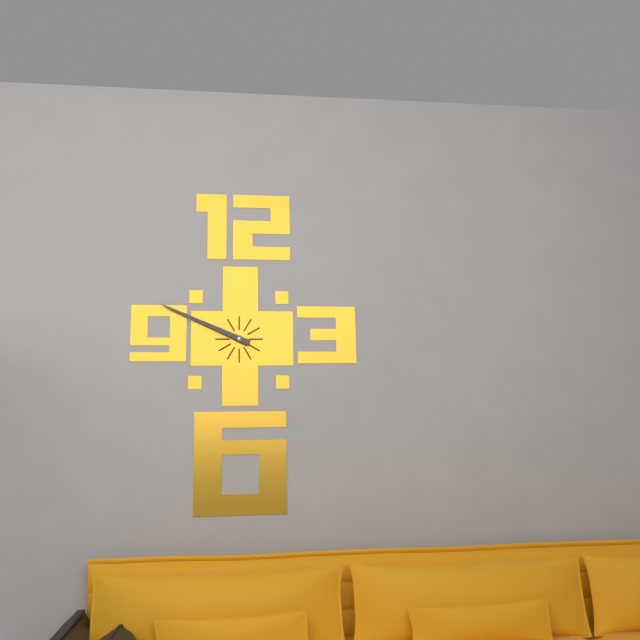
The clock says 9:49
